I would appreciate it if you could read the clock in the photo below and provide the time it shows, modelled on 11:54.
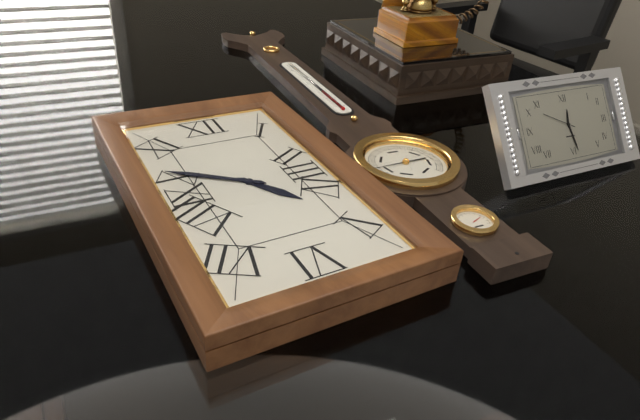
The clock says 4:51
